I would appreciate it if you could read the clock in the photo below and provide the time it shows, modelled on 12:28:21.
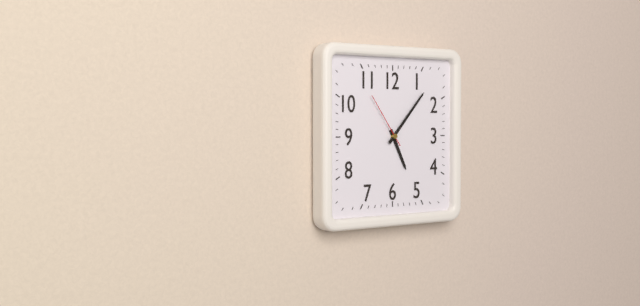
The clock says 5:07:54
